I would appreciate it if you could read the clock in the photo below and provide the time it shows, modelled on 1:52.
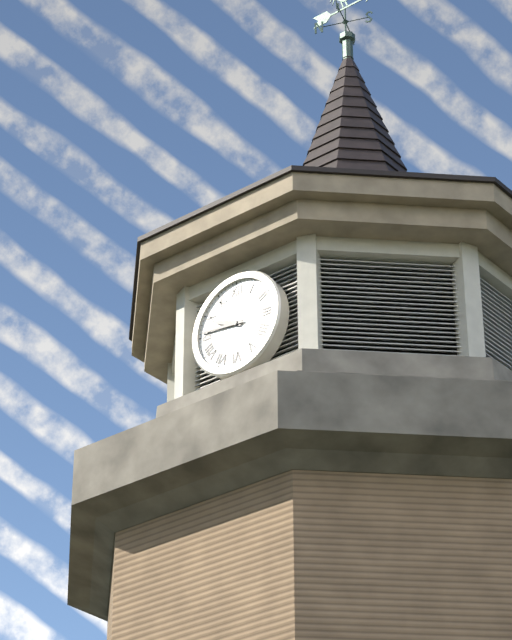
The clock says 9:46
